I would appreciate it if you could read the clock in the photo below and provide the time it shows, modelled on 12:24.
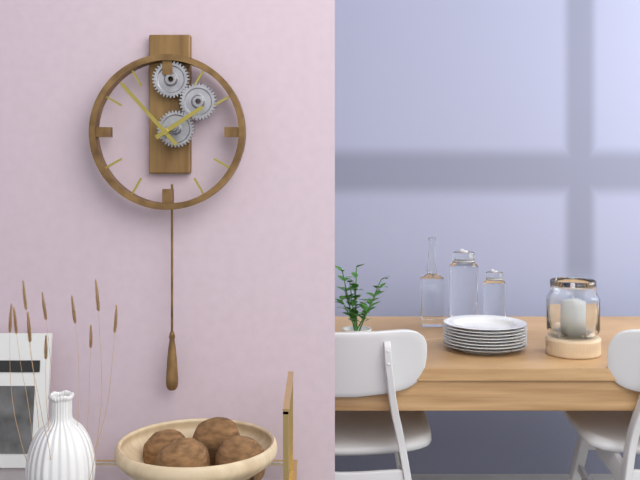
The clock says 1:53
